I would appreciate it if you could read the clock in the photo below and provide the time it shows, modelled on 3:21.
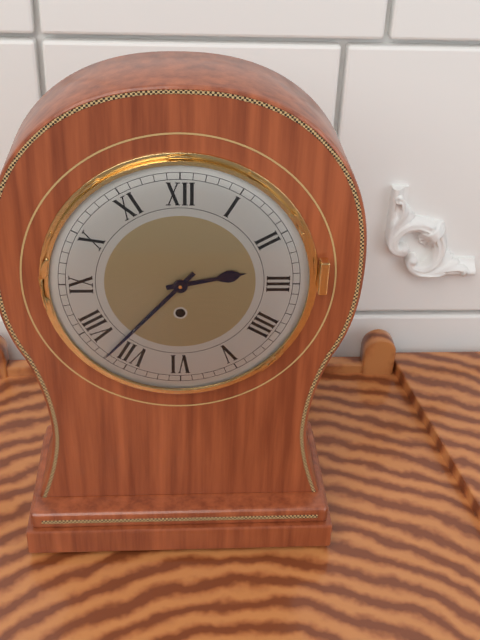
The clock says 2:37
